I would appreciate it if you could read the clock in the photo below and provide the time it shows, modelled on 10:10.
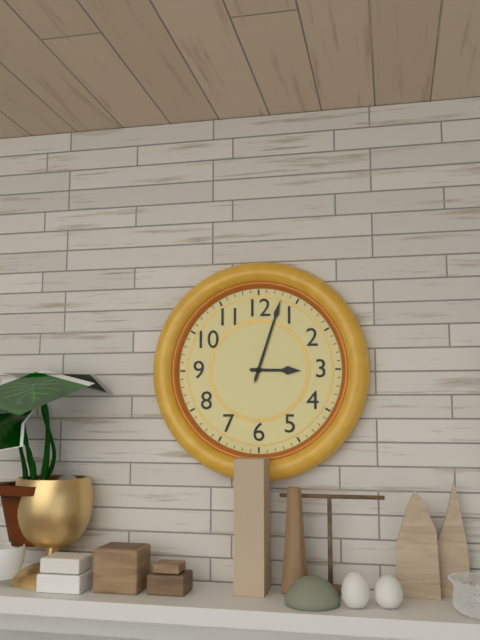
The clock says 3:03
